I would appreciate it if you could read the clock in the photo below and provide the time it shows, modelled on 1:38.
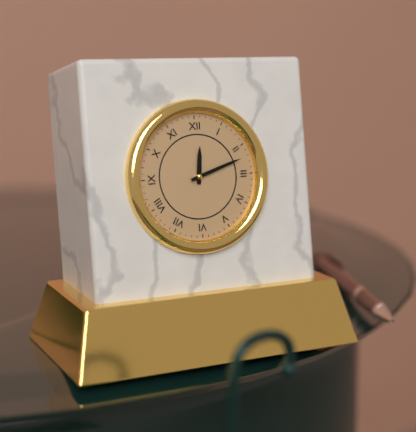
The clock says 12:12
